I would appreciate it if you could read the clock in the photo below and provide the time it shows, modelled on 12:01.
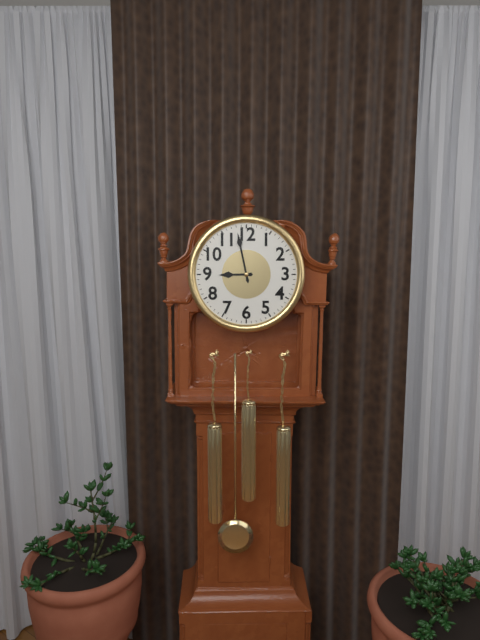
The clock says 8:58
